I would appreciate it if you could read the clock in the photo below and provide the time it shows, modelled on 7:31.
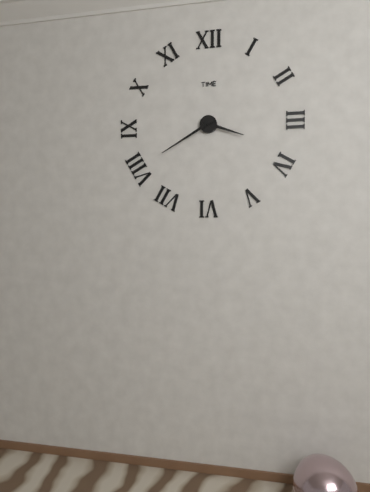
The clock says 3:40
